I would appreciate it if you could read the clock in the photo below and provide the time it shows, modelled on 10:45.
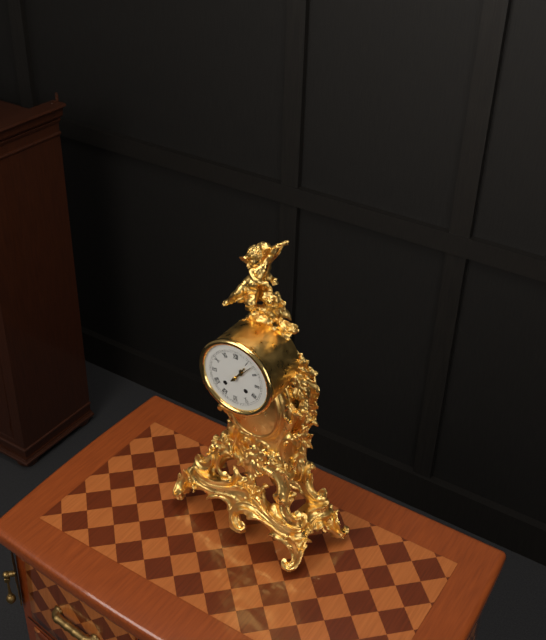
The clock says 1:07
